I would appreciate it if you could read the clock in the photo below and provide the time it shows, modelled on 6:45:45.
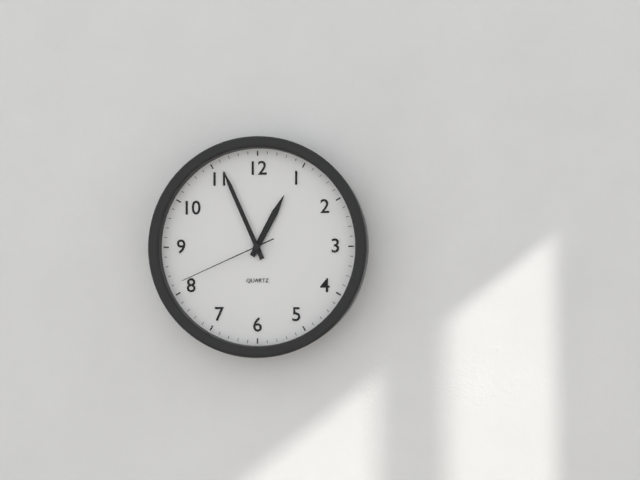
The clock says 12:56:41
